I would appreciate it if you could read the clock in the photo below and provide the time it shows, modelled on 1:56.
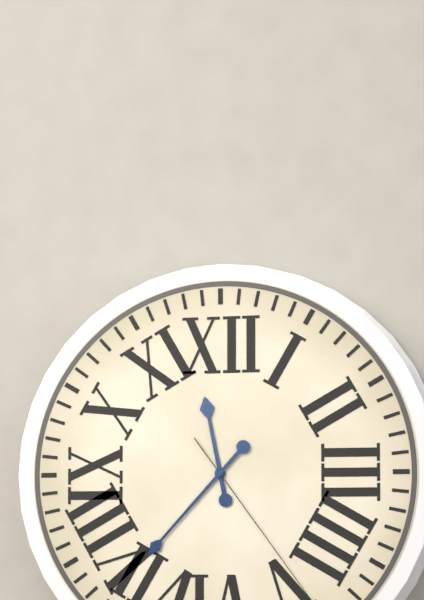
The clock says 11:37
